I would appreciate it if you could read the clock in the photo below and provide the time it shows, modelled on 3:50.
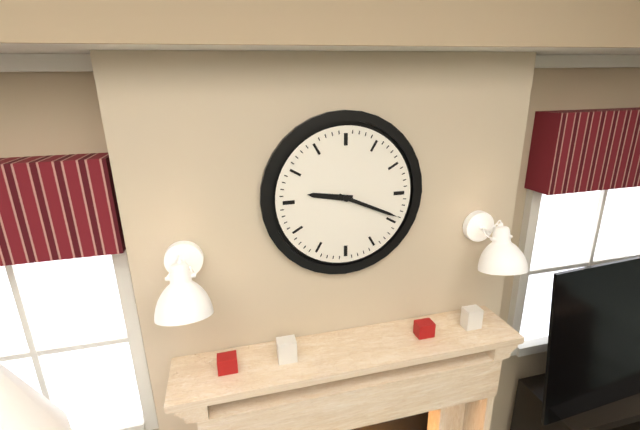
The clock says 9:19
